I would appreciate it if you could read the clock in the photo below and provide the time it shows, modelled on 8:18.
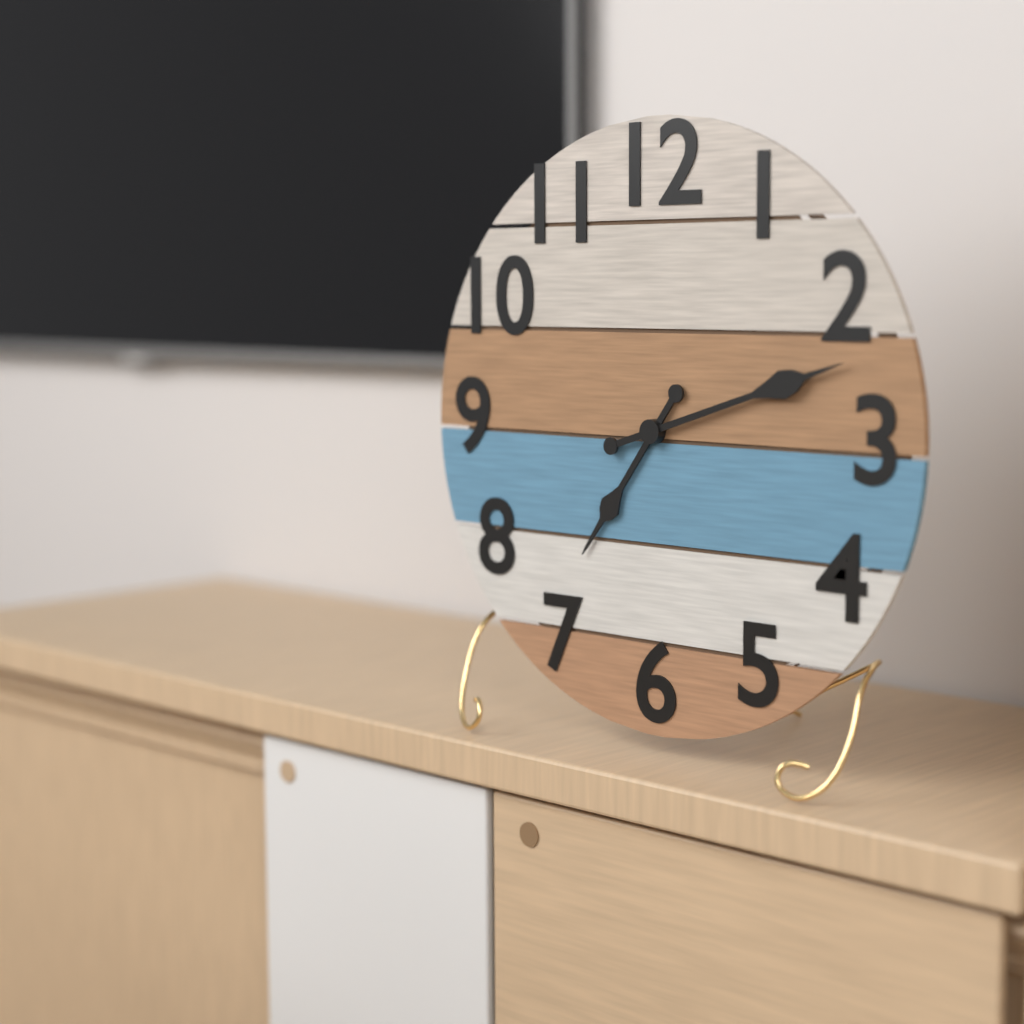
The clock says 7:12
